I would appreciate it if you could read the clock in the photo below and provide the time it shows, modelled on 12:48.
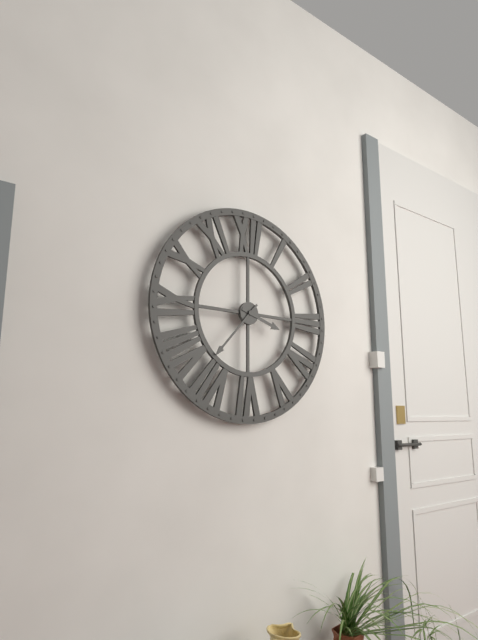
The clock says 3:37
